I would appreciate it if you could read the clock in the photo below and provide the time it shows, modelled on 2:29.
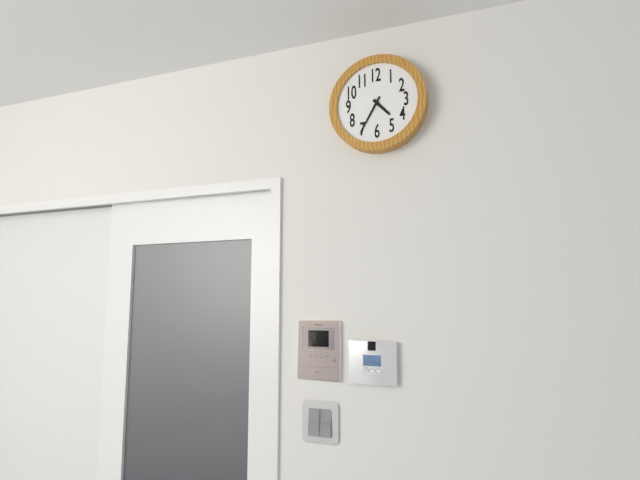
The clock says 4:35
